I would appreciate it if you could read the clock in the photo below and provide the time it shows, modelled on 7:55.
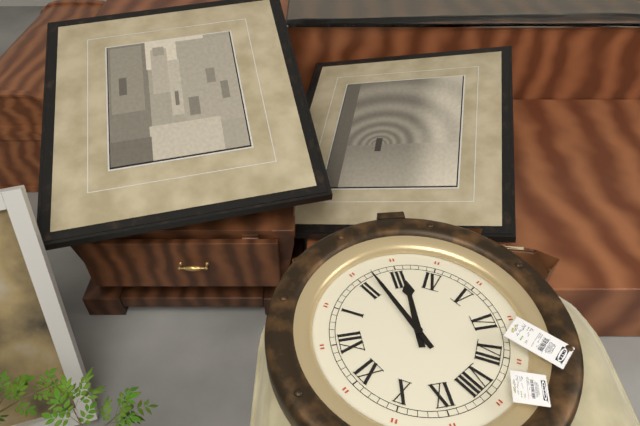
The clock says 3:12
